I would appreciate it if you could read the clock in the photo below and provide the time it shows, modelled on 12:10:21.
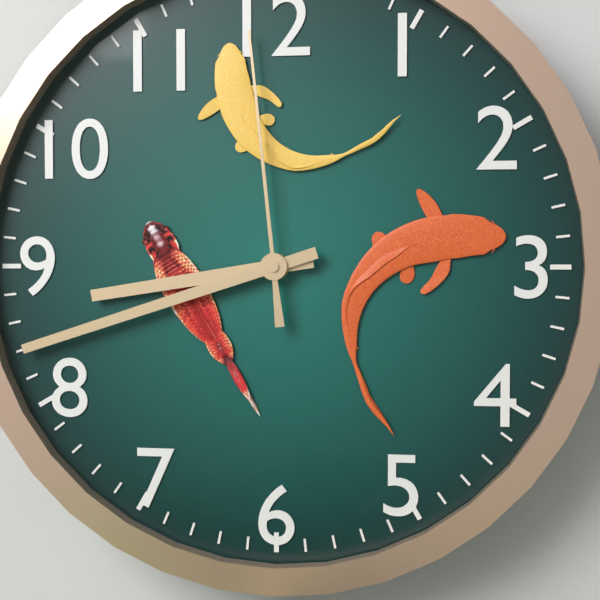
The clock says 8:42:59
